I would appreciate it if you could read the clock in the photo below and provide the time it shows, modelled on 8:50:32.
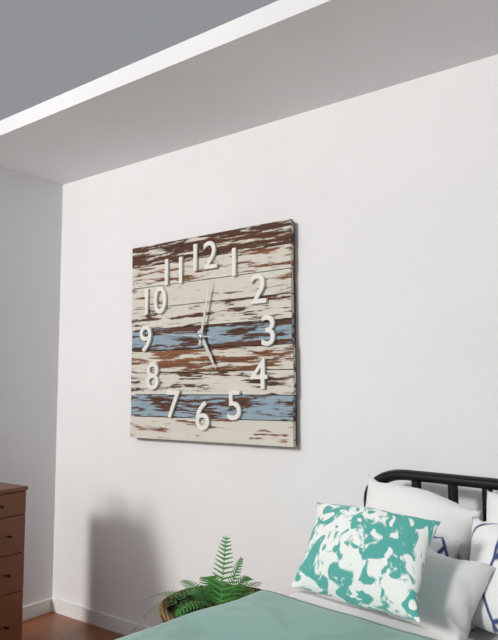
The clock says 5:02:46
